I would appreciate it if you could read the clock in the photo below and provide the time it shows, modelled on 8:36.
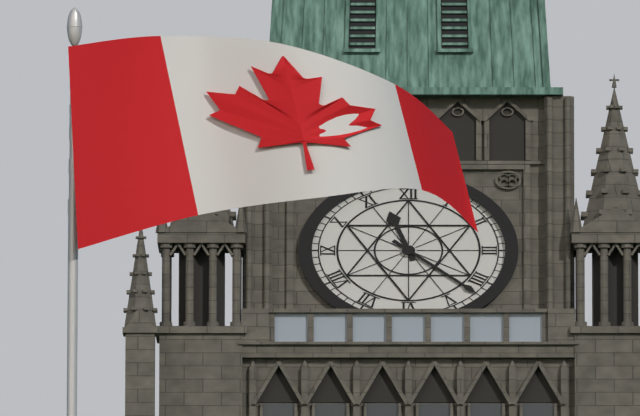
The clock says 11:22
